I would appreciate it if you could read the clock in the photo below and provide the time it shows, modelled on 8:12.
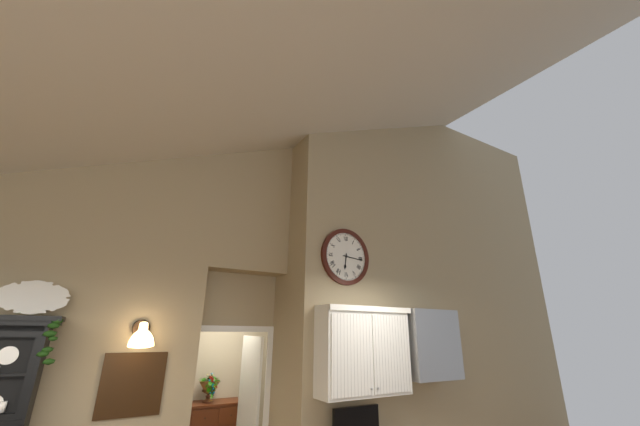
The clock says 6:16
